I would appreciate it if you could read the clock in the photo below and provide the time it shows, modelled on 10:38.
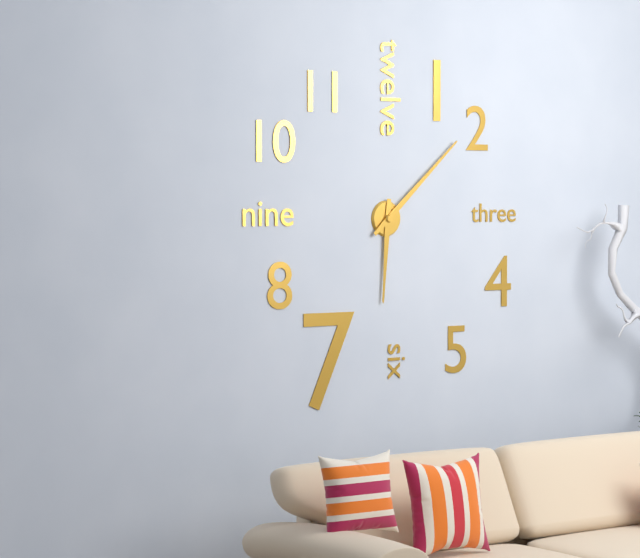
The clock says 6:08
